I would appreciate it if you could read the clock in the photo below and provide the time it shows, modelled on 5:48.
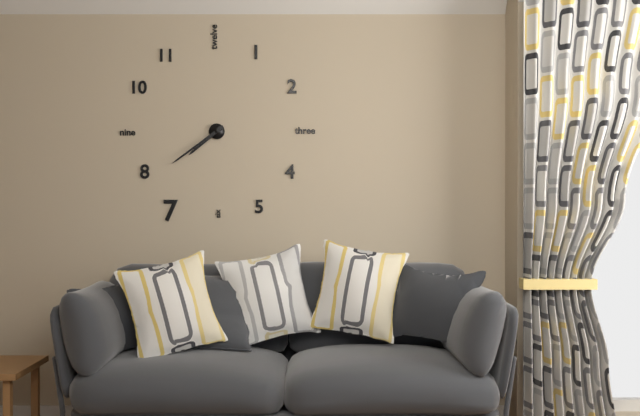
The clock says 7:39
